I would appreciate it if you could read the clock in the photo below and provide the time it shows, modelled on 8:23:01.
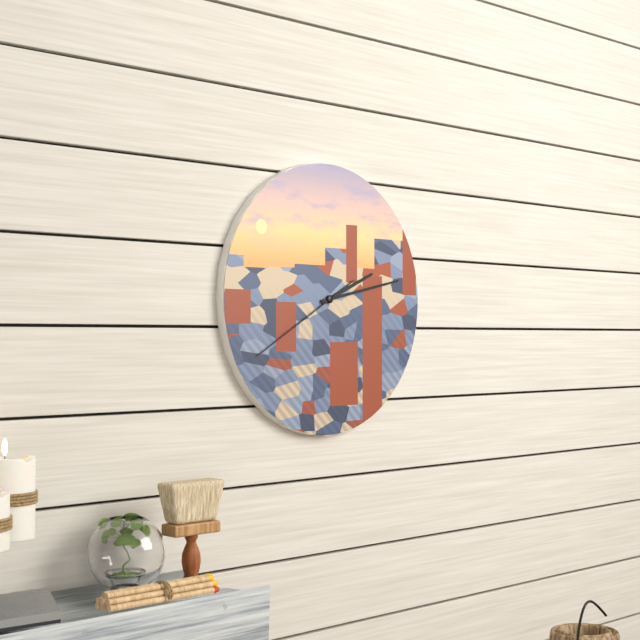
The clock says 2:13:40
